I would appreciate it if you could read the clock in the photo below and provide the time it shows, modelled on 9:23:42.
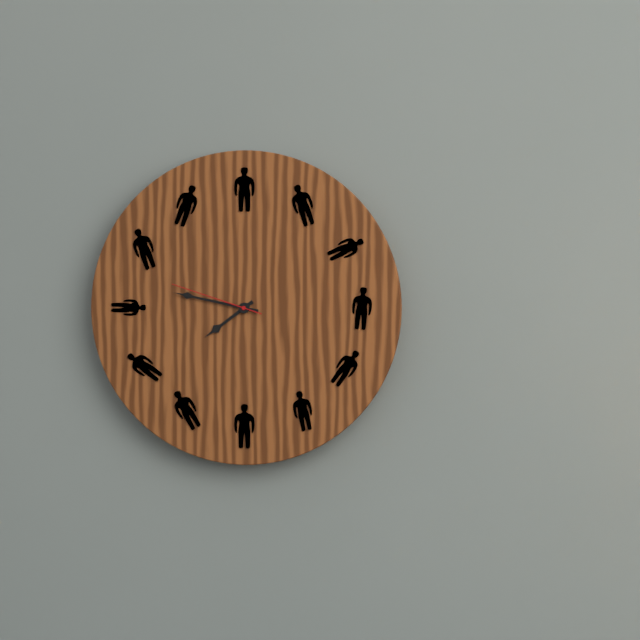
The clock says 7:47:48
